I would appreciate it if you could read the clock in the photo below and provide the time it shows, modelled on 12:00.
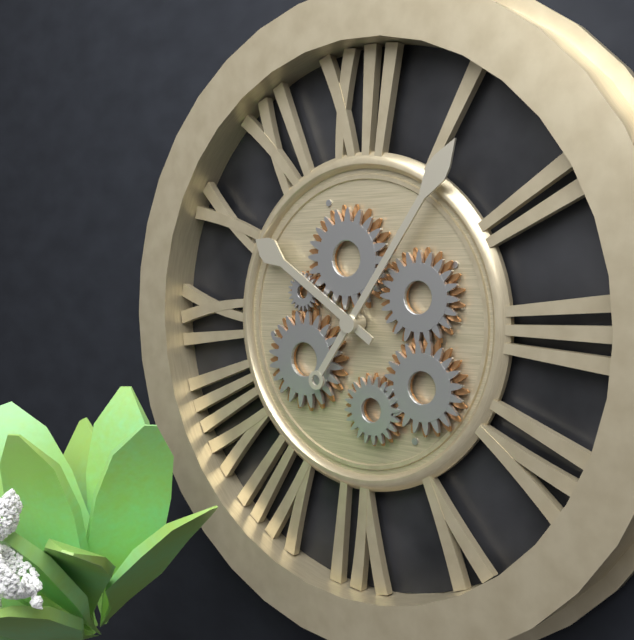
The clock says 10:06
